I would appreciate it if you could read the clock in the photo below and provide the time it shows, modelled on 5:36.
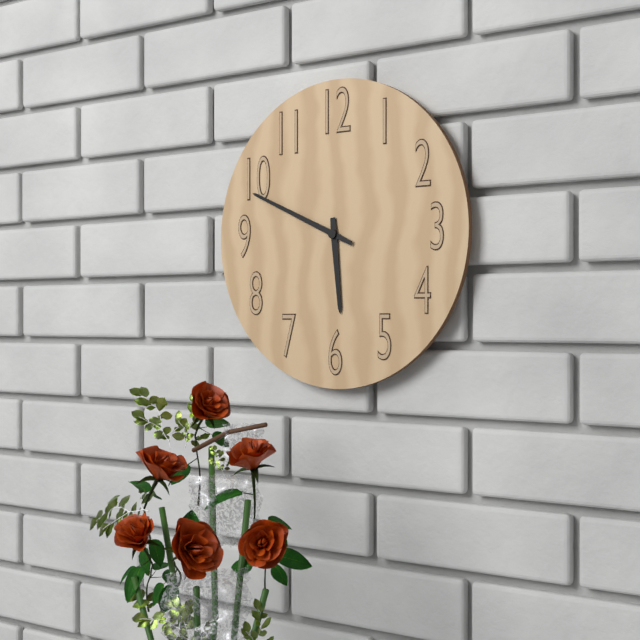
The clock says 5:49
